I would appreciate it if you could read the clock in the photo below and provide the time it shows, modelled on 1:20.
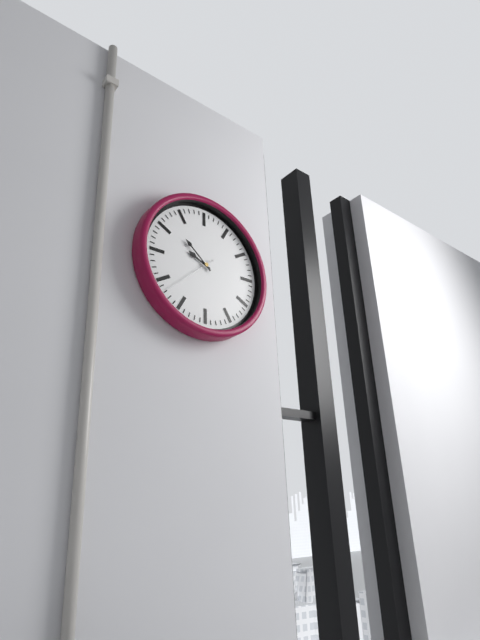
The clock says 9:52
